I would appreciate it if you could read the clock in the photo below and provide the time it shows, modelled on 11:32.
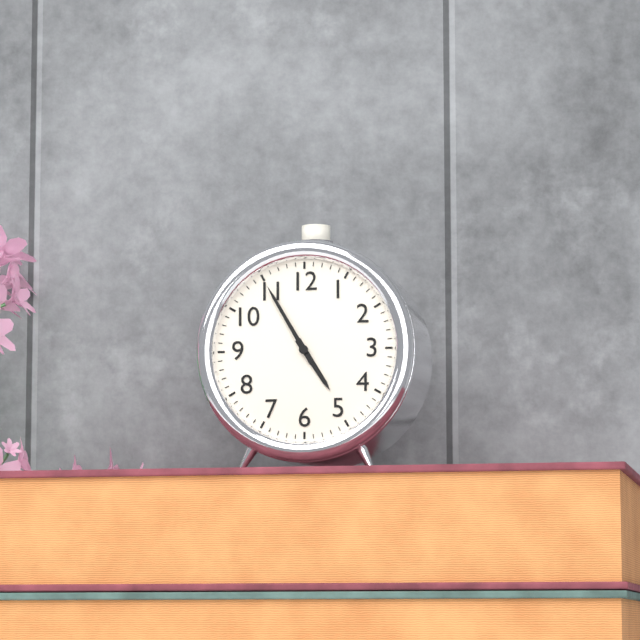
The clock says 4:55
